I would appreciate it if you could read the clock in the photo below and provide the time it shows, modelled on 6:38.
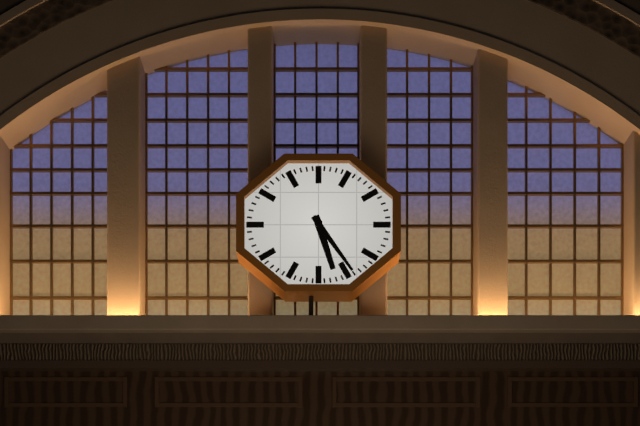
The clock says 5:24
